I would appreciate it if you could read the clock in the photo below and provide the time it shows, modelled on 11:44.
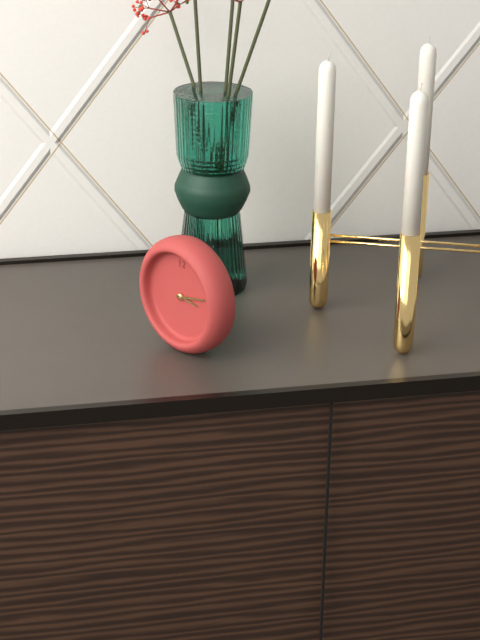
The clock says 3:13
